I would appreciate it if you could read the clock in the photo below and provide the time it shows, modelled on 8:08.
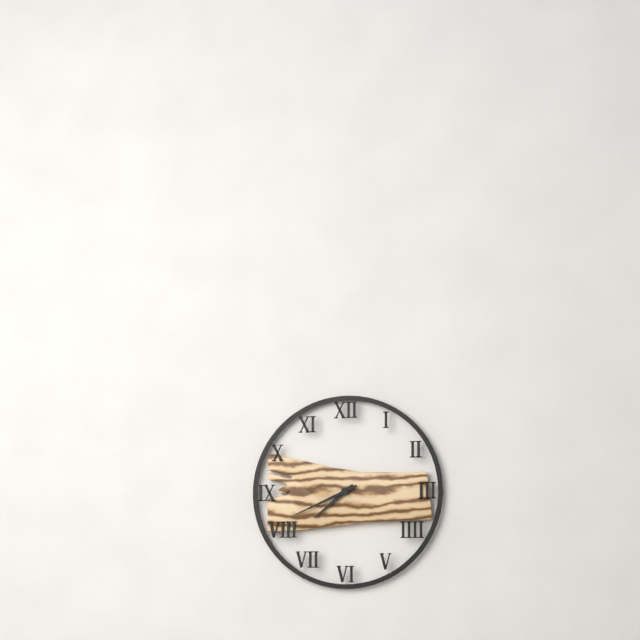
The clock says 7:41
